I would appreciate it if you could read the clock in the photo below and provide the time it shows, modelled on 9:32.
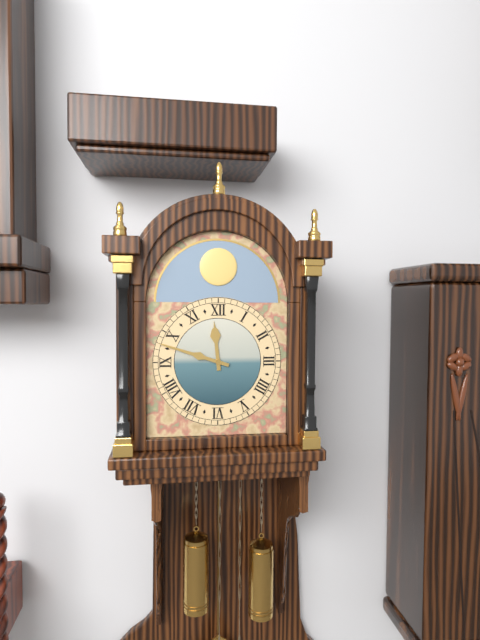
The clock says 11:48
